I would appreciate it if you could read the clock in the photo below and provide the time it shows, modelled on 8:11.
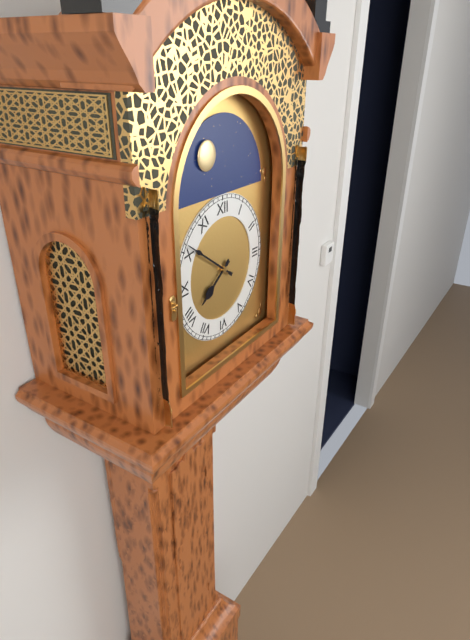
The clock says 7:51
